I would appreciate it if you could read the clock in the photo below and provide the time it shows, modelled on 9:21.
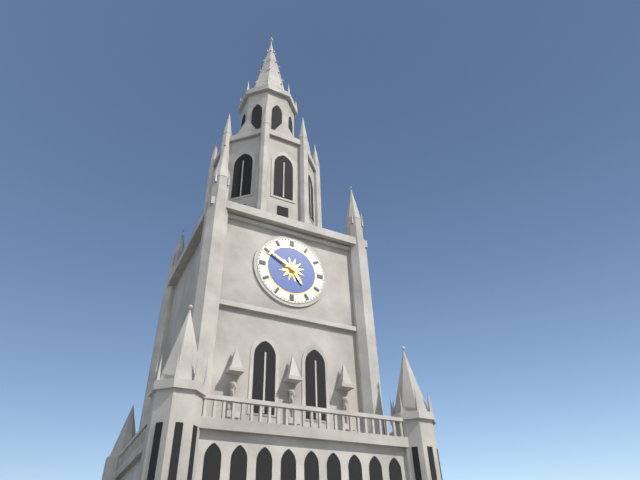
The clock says 4:50
